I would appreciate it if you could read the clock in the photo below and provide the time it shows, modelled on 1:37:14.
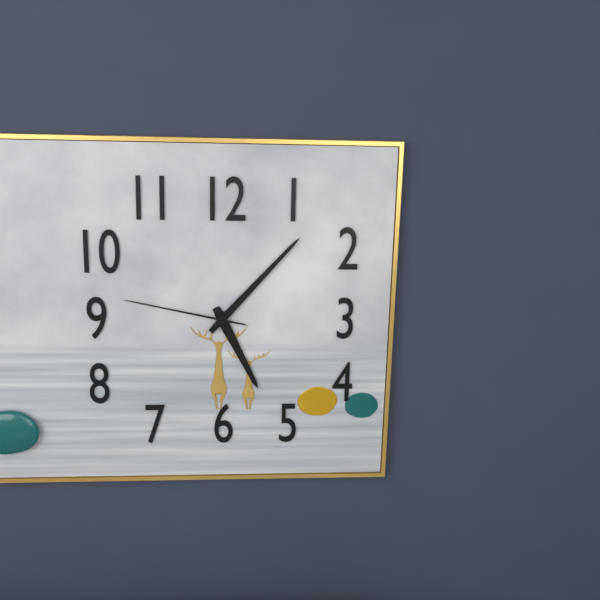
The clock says 5:07:47
